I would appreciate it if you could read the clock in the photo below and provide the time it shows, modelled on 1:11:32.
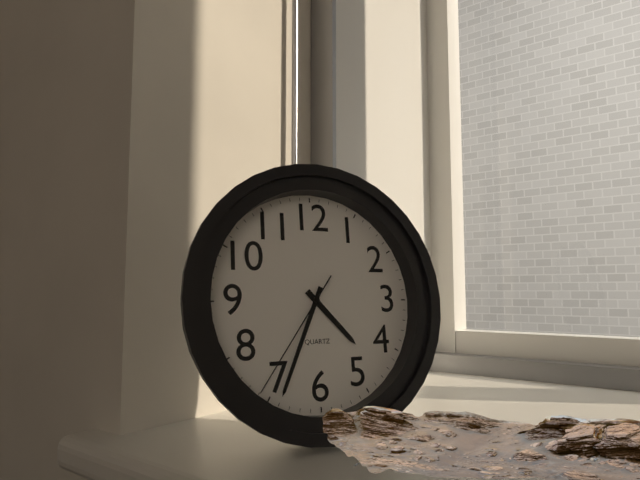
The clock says 4:34:36
